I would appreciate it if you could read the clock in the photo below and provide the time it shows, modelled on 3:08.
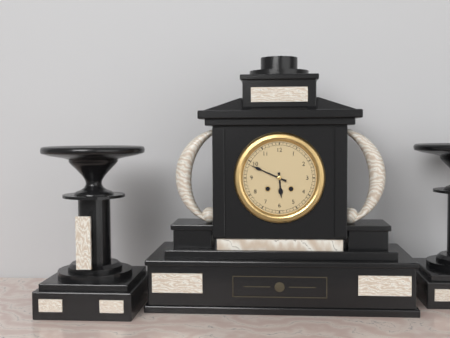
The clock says 5:49
